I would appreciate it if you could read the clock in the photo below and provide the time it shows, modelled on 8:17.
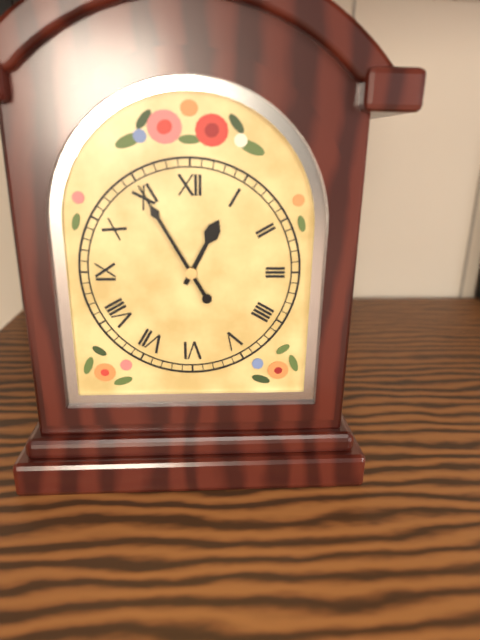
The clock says 12:55
